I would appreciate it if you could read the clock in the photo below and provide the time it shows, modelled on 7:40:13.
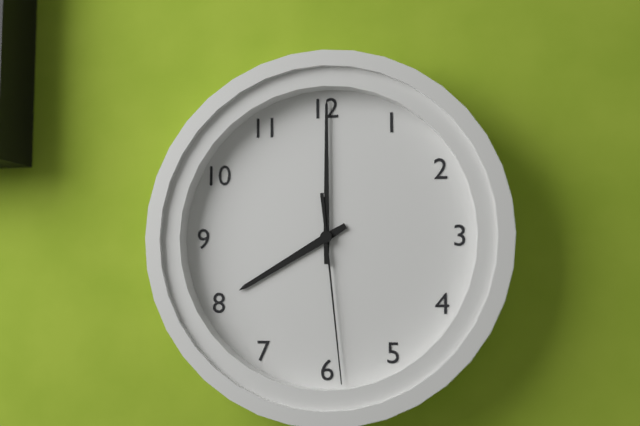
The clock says 8:00:29
